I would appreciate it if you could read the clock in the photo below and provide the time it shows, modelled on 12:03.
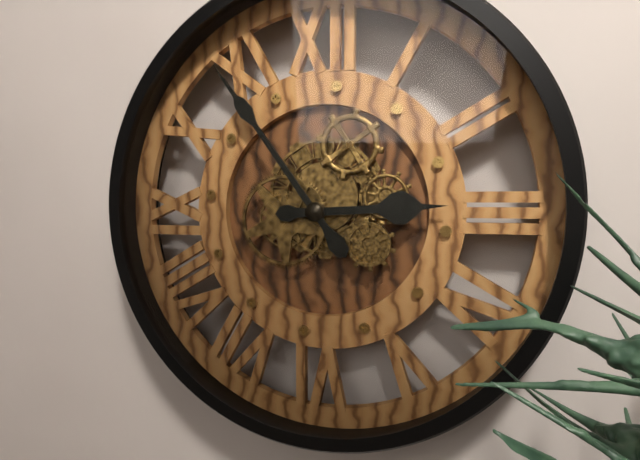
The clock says 2:54
